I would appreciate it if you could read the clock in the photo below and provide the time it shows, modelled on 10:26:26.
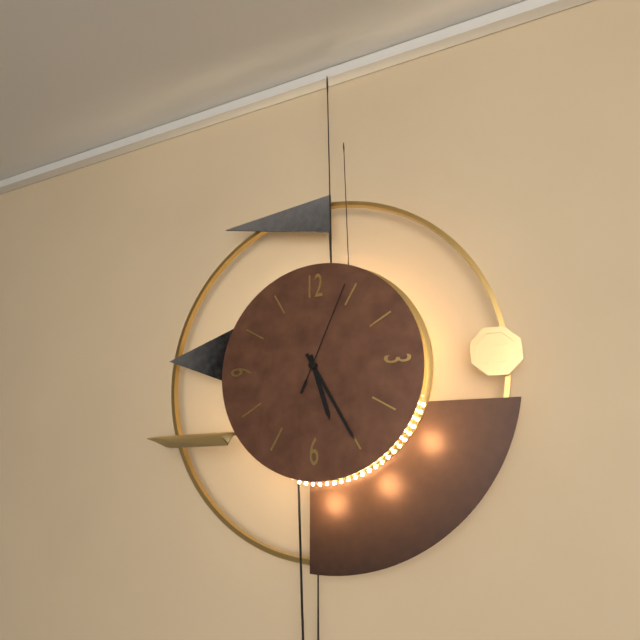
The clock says 5:25:04
